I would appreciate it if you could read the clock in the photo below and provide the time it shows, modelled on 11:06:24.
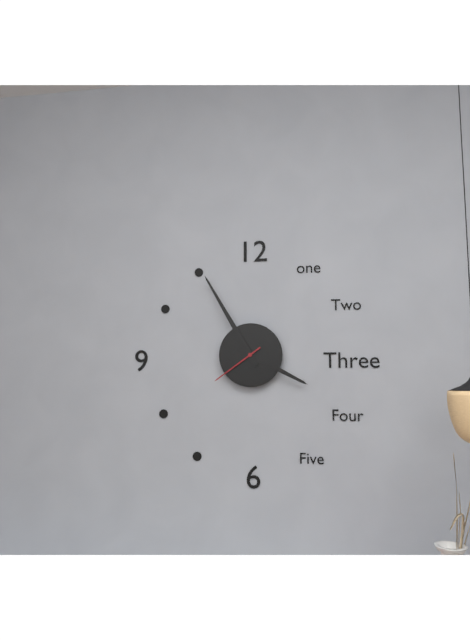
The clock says 3:55:39
